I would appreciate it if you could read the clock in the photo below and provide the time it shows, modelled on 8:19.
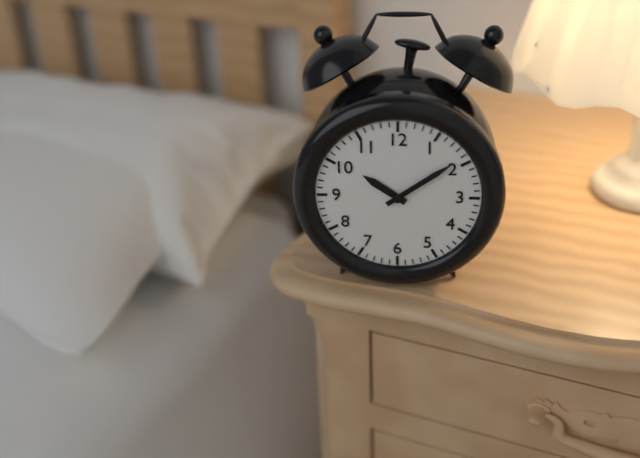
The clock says 10:09
